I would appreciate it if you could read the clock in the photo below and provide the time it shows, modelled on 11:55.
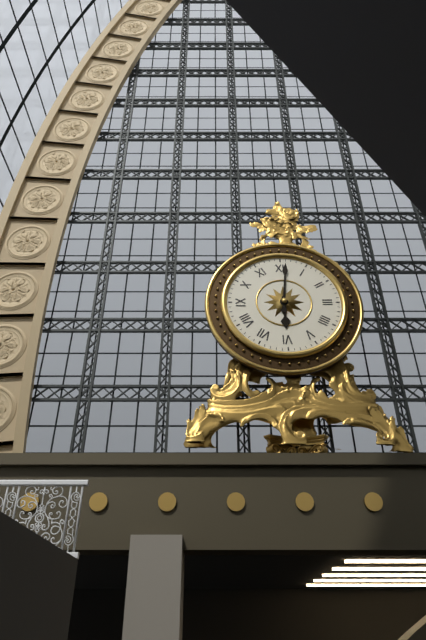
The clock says 6:01
